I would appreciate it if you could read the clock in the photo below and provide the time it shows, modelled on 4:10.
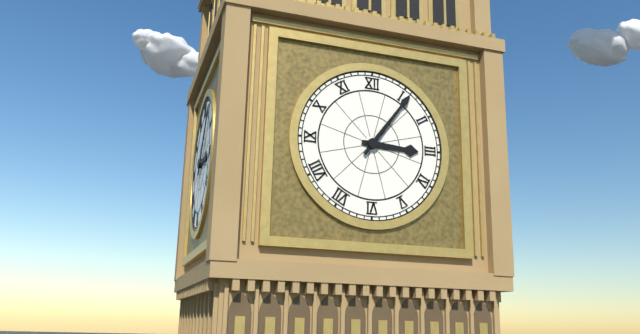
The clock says 3:06
